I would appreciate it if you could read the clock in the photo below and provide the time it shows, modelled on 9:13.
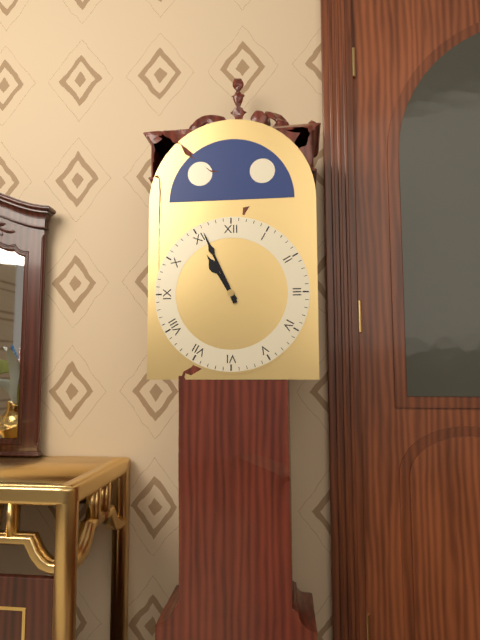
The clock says 10:56
